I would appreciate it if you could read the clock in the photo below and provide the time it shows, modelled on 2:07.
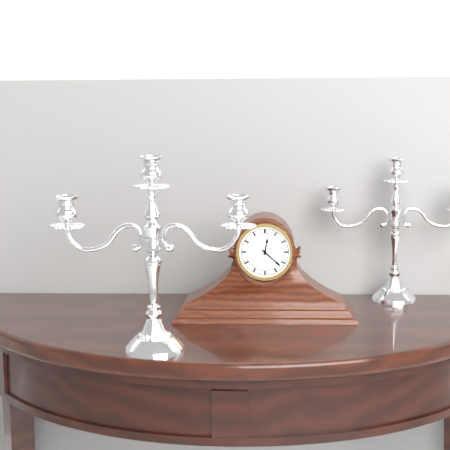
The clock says 12:22
